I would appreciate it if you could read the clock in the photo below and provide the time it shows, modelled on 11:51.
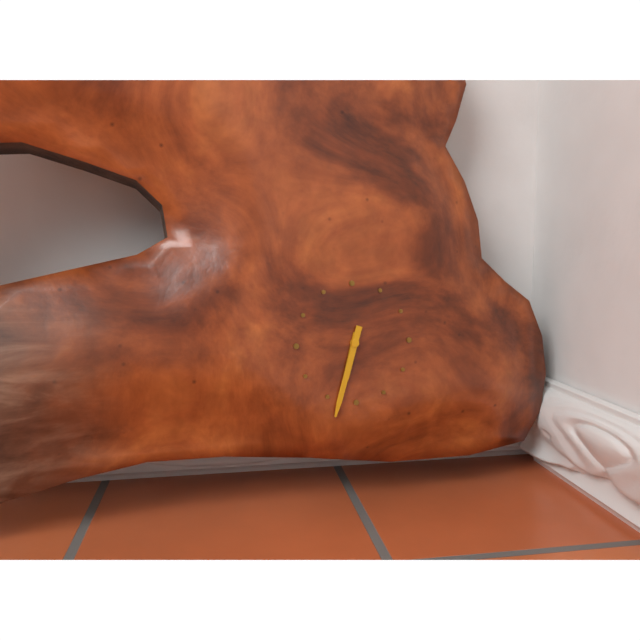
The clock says 6:33
